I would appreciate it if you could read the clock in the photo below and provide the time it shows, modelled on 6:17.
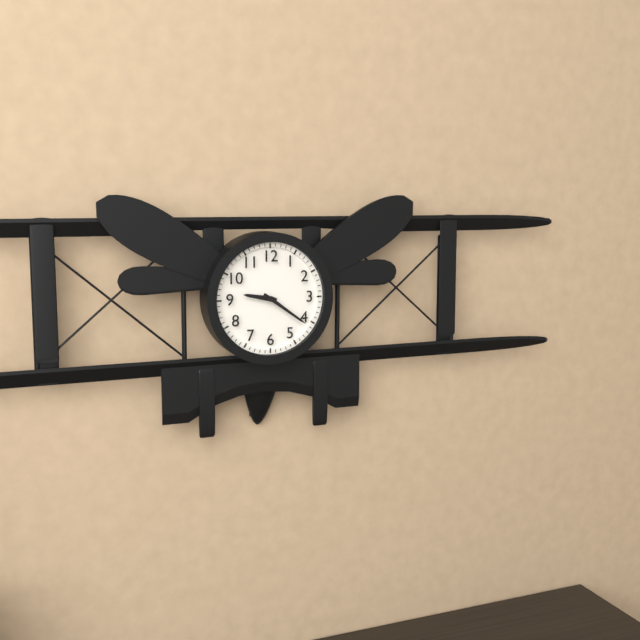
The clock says 9:21
